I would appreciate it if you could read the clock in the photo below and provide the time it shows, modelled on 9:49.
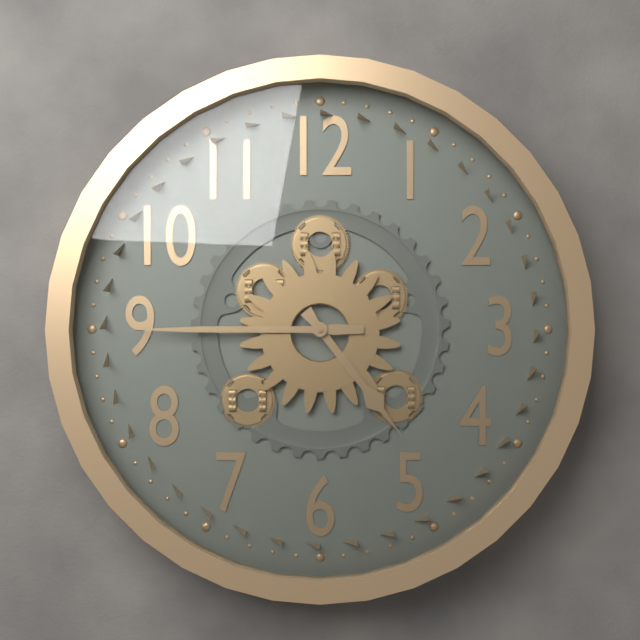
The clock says 4:45
